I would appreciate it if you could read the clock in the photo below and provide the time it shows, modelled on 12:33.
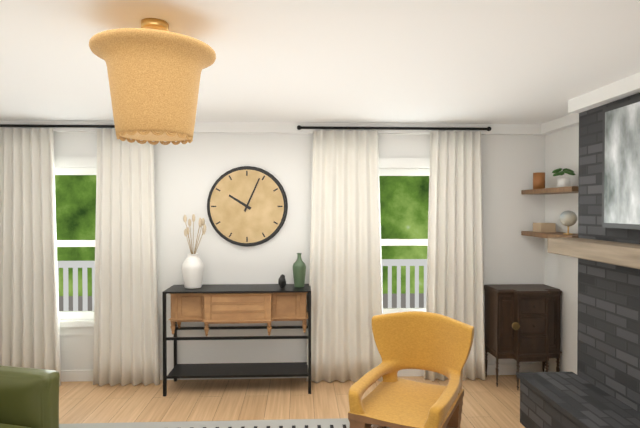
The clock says 10:04
